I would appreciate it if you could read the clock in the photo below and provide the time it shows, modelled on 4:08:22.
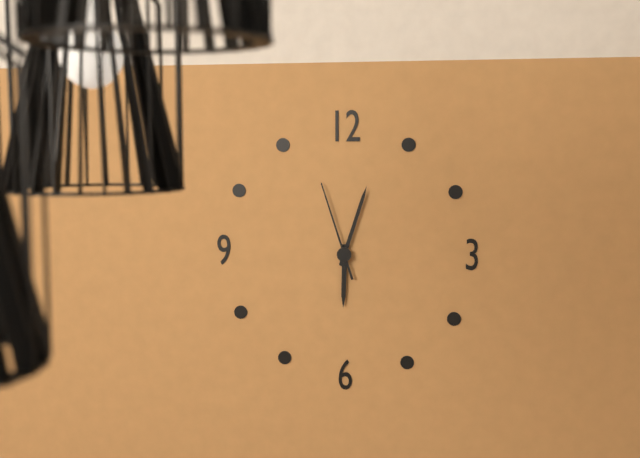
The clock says 6:03:57
